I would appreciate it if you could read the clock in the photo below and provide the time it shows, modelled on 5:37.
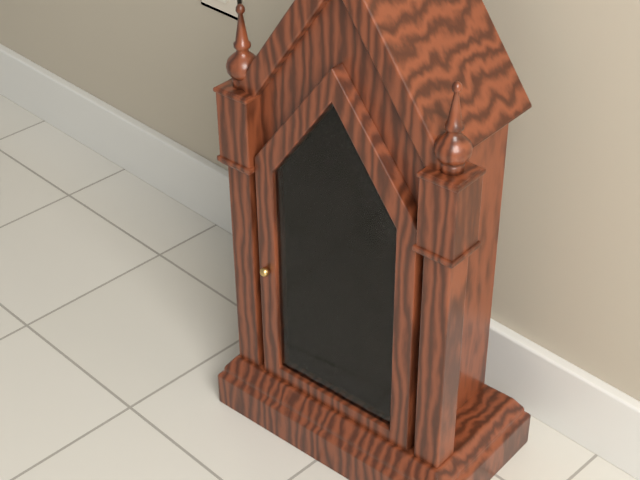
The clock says 4:43
